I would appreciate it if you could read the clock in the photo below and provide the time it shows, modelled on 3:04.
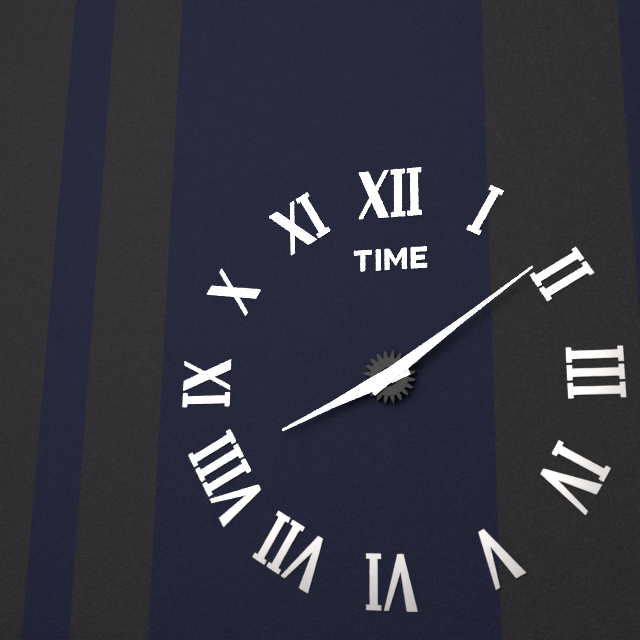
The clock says 8:09
